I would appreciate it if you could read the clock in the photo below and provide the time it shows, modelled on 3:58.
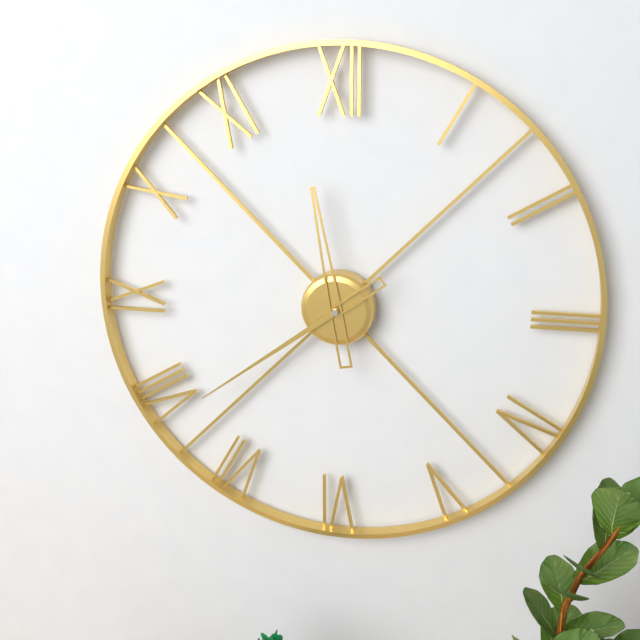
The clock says 11:39
